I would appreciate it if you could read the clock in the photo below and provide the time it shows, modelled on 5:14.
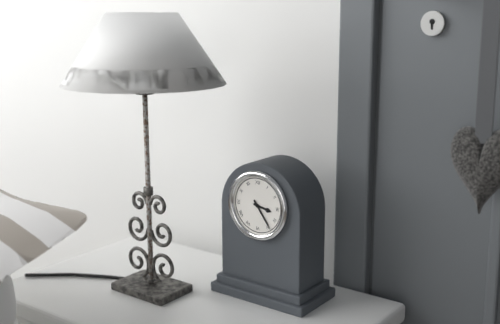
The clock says 3:24
